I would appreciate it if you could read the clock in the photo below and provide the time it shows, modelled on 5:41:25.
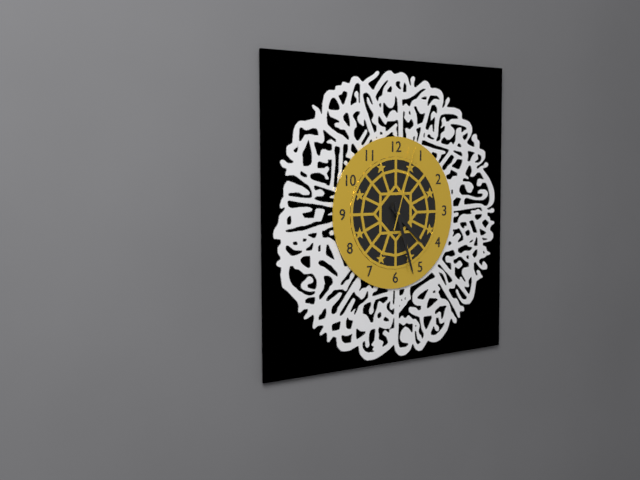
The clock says 4:27:03
